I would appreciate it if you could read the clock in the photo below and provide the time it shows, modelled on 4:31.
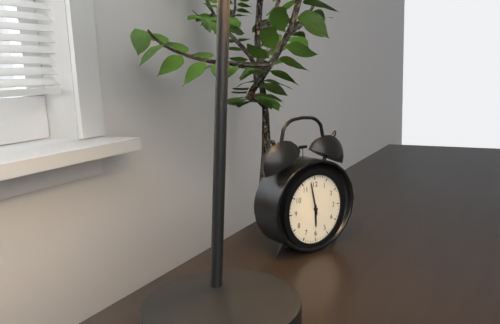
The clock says 5:58
